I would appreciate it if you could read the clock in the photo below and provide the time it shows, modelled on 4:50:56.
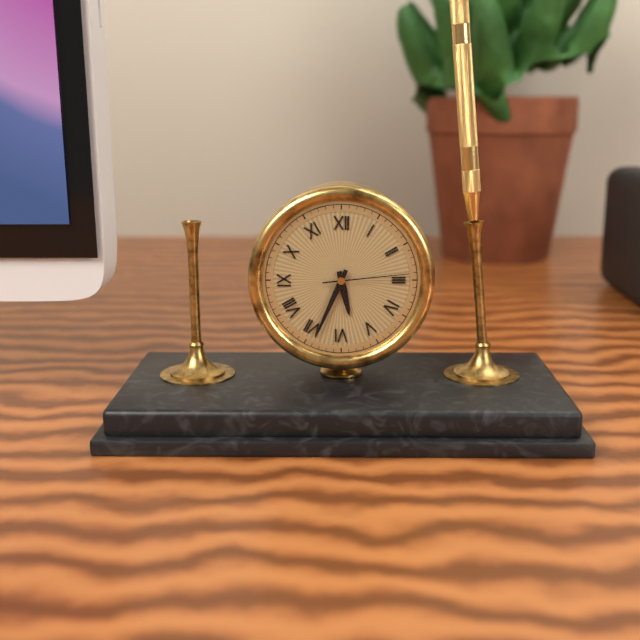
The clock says 5:34:14
